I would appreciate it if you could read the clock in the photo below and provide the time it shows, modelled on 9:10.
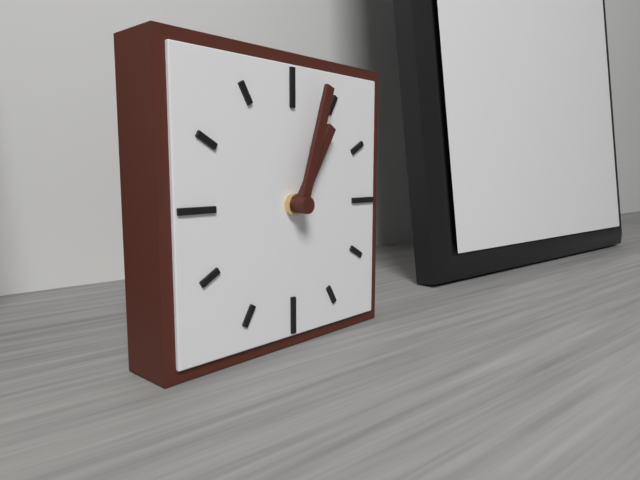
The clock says 1:03
